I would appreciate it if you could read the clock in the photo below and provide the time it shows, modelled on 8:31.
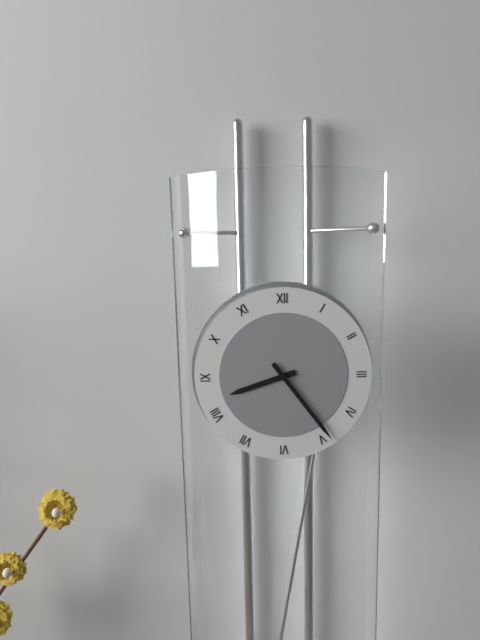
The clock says 8:24
